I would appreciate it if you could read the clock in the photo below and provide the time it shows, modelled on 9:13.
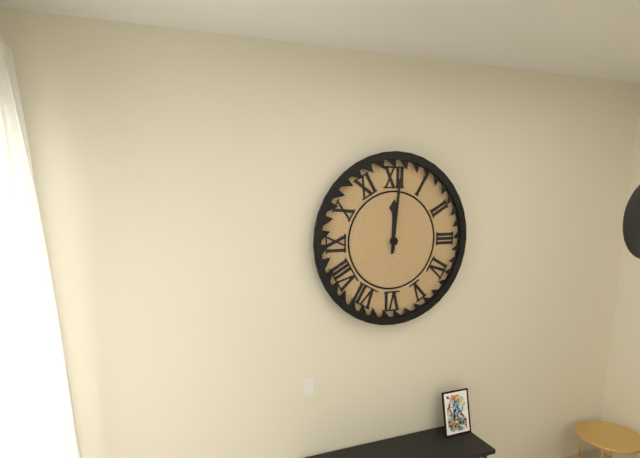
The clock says 12:01
